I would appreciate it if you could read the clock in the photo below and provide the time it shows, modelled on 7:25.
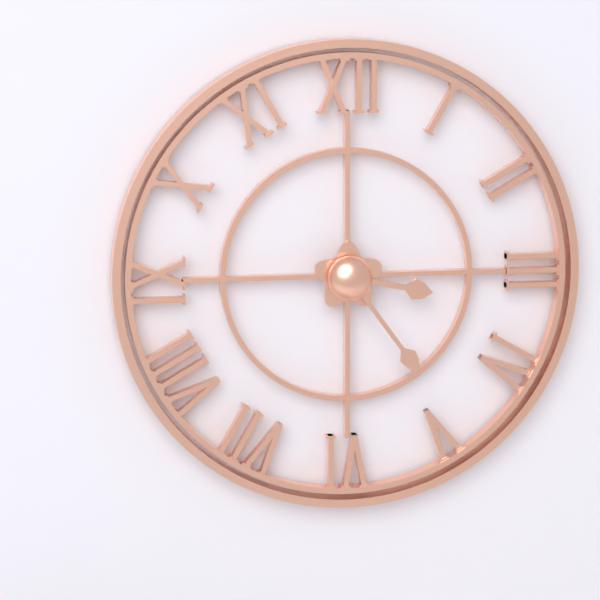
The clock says 3:24
